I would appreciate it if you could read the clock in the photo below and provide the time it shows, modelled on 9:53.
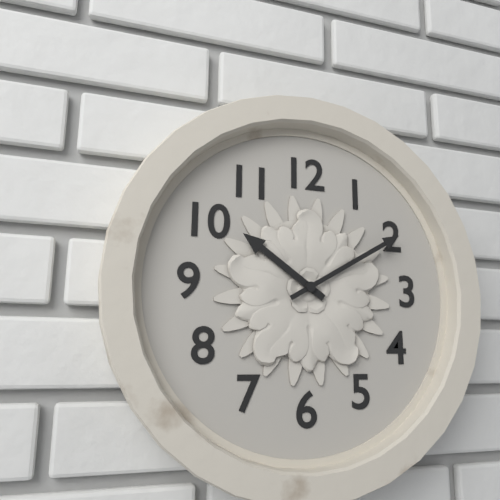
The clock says 10:10
